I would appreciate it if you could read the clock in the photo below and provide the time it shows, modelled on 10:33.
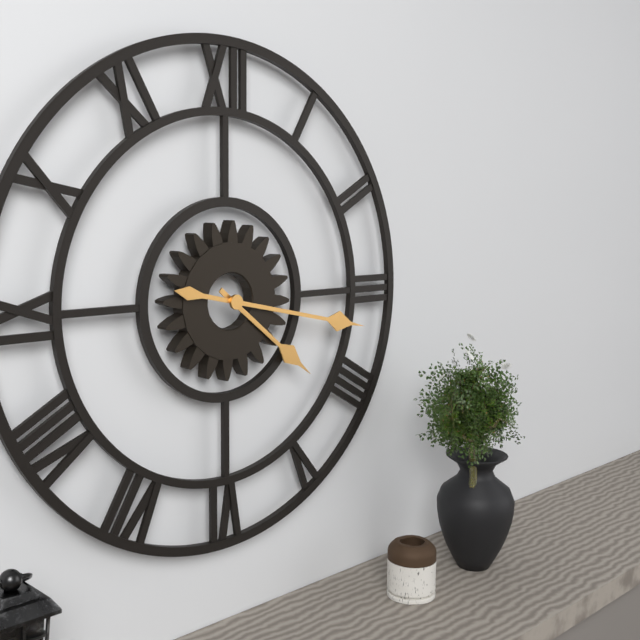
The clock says 4:17
